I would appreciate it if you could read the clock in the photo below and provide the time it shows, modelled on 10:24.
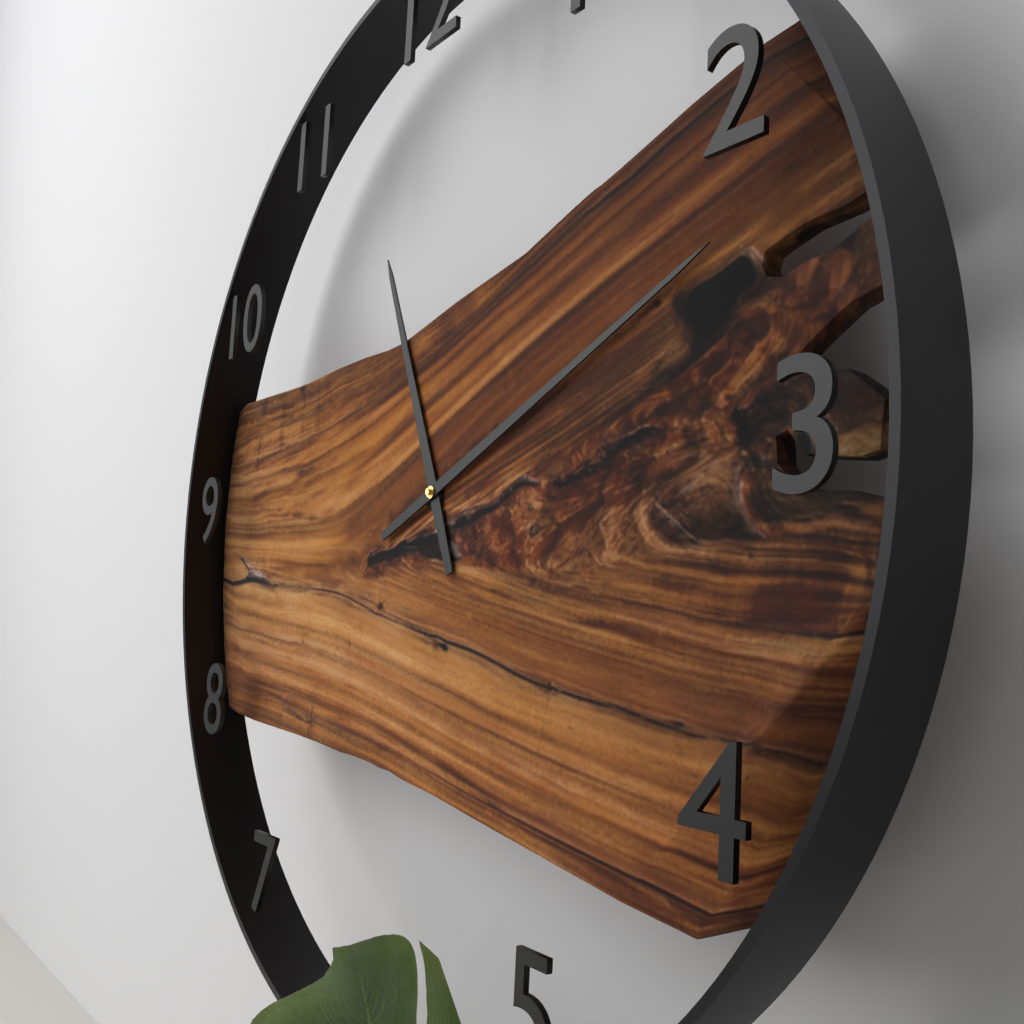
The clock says 11:11
